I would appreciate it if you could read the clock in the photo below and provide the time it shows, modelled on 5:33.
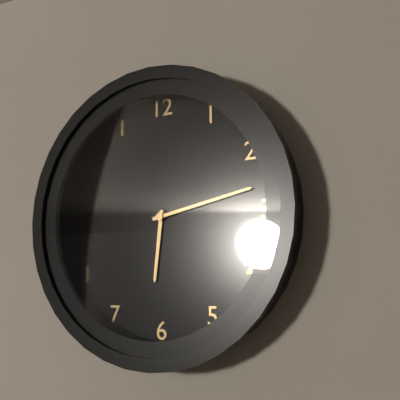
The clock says 6:13
